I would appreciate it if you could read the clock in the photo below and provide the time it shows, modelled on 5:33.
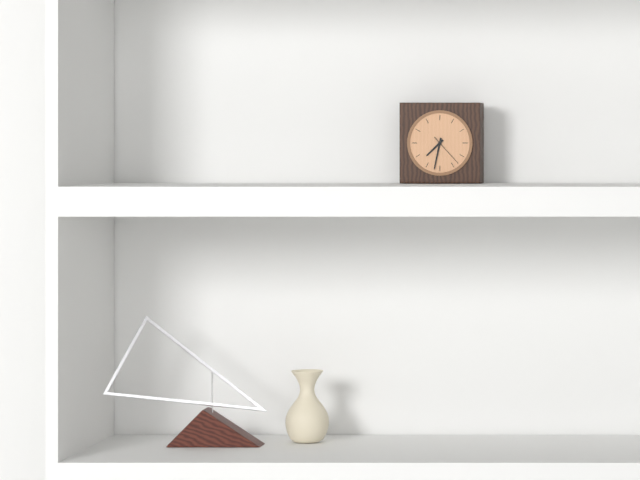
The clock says 7:32
